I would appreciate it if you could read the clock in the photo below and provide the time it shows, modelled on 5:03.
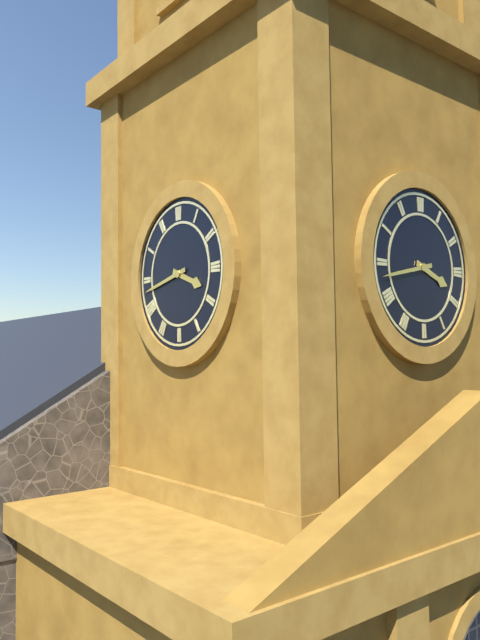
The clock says 3:43
